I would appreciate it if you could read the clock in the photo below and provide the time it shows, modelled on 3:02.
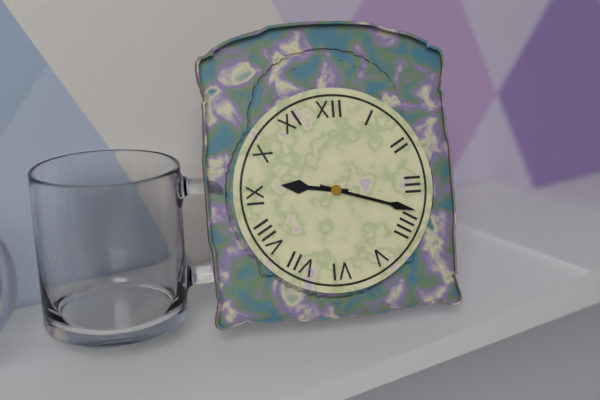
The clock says 9:18
